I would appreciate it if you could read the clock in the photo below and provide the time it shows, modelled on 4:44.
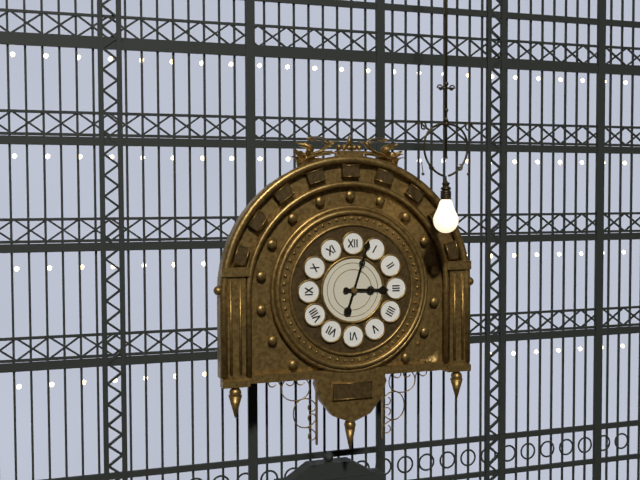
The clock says 3:03
